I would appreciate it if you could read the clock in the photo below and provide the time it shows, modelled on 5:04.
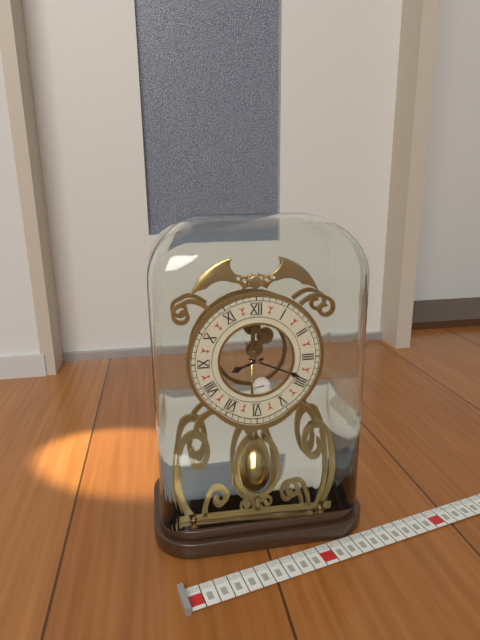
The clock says 8:19
